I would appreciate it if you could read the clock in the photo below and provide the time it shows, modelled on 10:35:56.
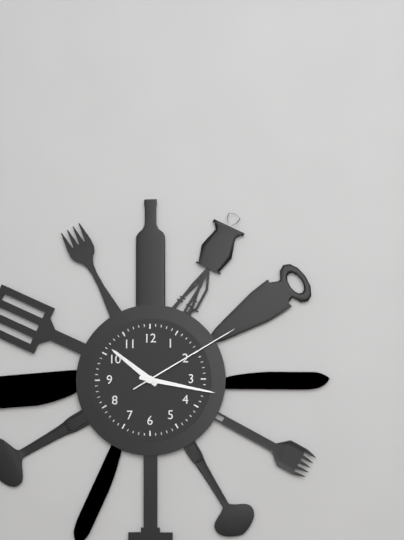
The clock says 10:17:10
